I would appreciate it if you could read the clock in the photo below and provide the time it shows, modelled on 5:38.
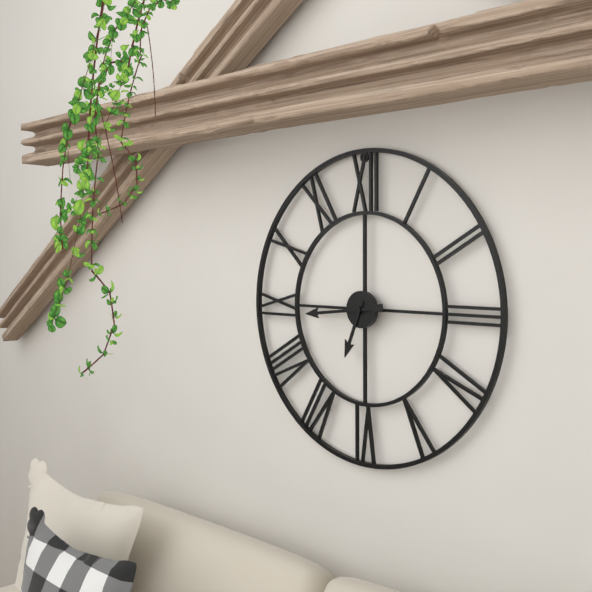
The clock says 6:44
